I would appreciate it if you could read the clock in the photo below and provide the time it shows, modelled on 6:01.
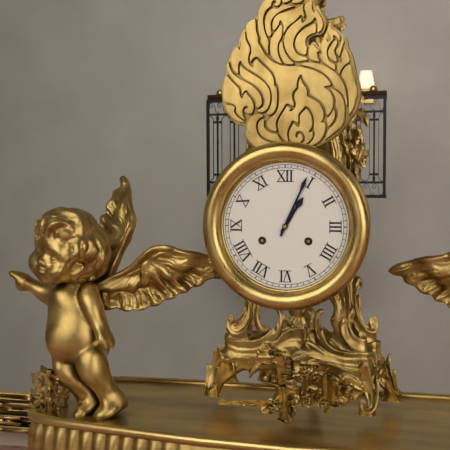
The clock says 1:04
